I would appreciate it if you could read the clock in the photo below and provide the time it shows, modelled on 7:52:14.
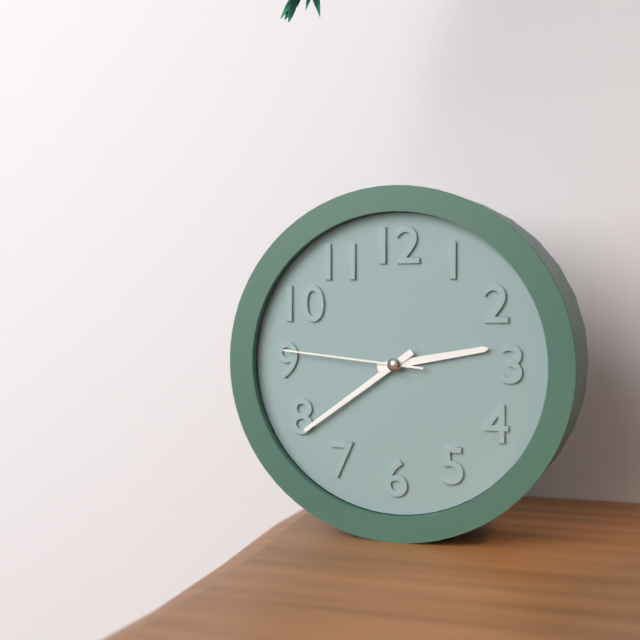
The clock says 2:39:46
